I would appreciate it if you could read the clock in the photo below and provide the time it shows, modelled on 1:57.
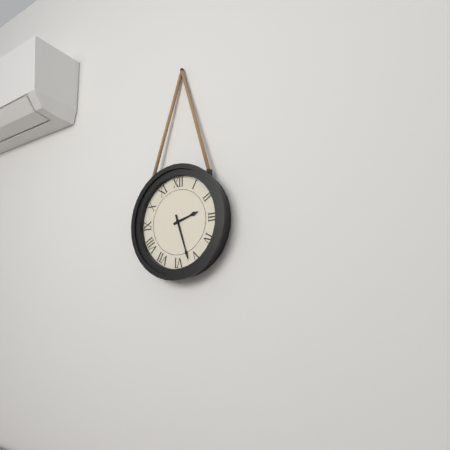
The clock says 2:27
